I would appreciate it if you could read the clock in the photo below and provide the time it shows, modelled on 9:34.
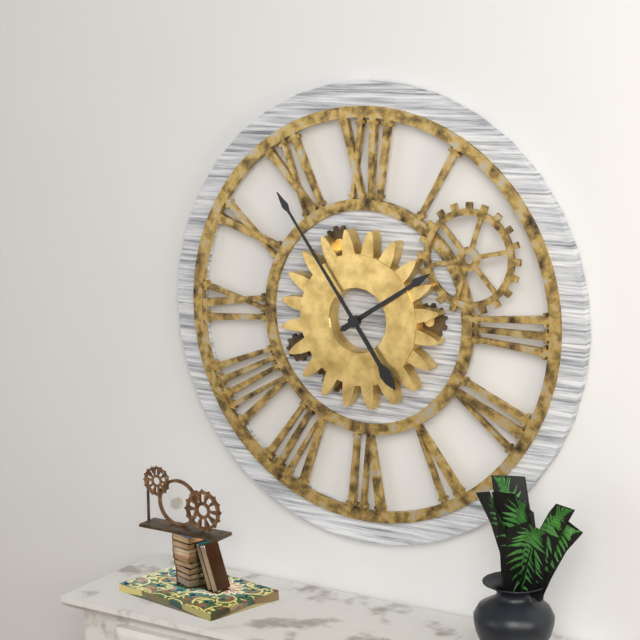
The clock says 1:54
